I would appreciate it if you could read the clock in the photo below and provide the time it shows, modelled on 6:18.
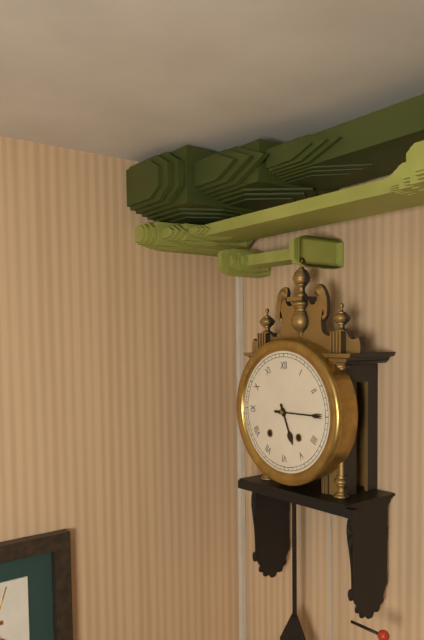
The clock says 5:15
